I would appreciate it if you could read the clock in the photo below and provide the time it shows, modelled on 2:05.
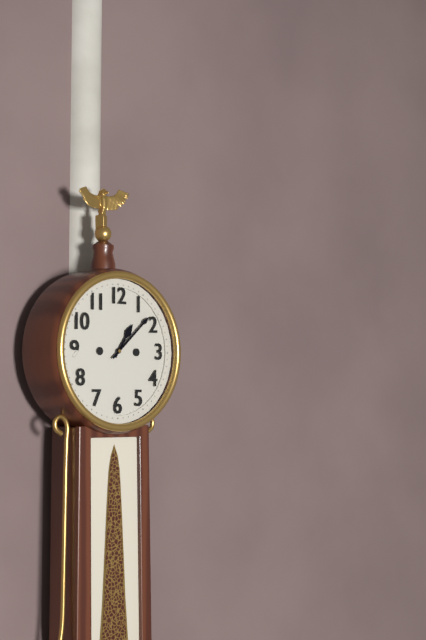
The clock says 1:08
